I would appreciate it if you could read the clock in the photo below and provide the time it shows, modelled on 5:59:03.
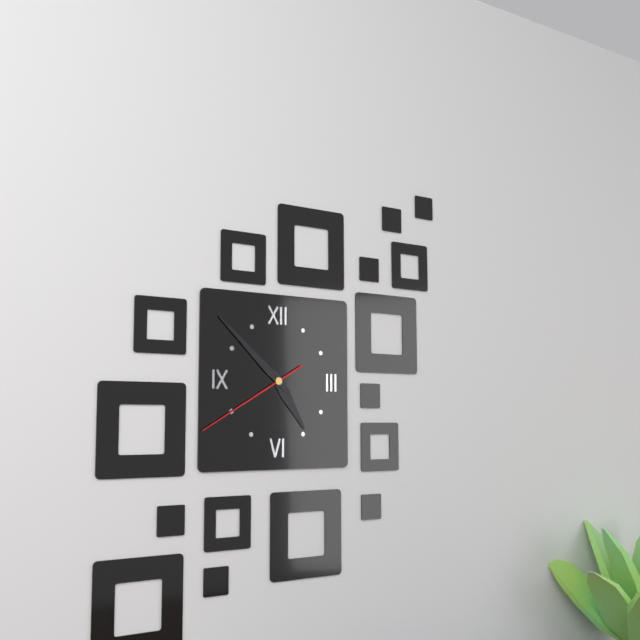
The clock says 4:52:40
